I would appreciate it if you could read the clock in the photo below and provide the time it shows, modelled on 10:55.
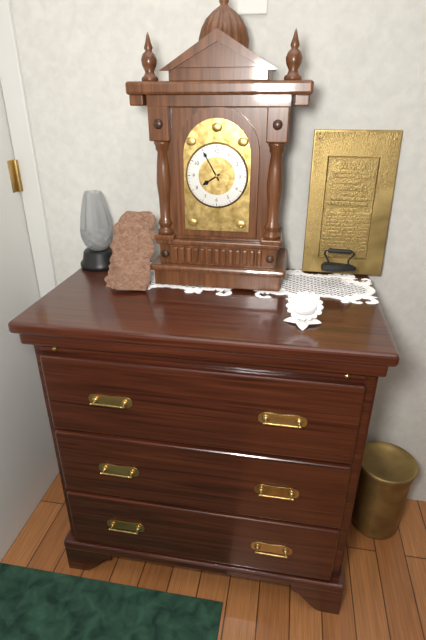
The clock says 7:55
